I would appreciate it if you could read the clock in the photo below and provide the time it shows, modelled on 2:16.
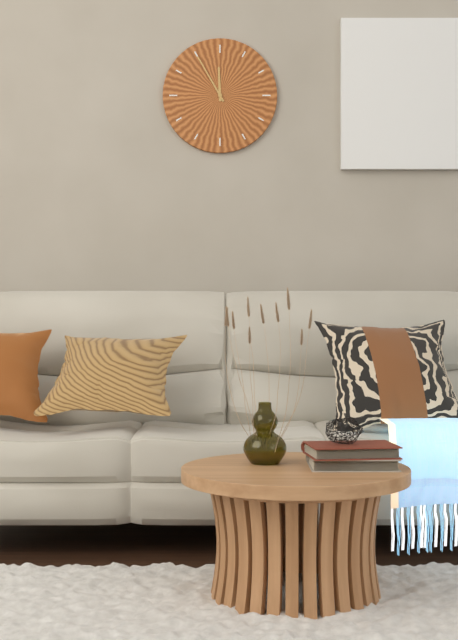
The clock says 11:55
